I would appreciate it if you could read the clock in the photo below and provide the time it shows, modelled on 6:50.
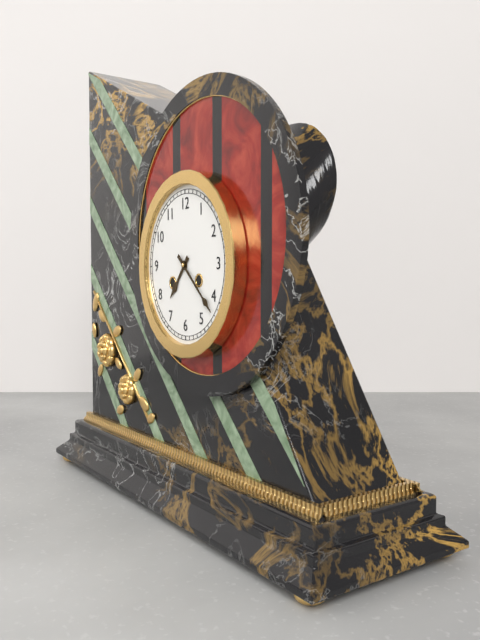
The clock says 7:22
